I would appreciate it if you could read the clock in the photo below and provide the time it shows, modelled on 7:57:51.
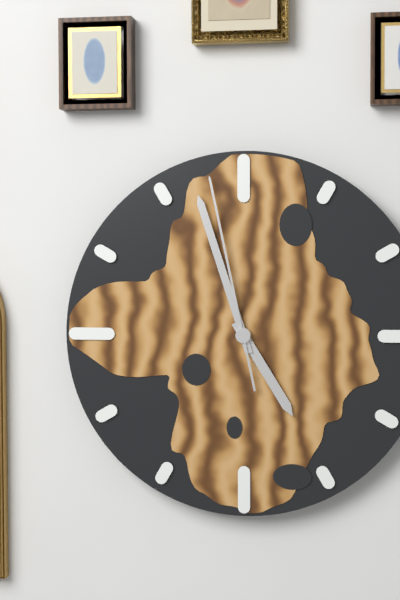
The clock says 4:57:58
